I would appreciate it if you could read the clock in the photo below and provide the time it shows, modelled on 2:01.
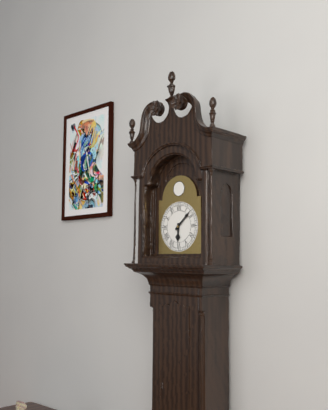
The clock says 6:08
